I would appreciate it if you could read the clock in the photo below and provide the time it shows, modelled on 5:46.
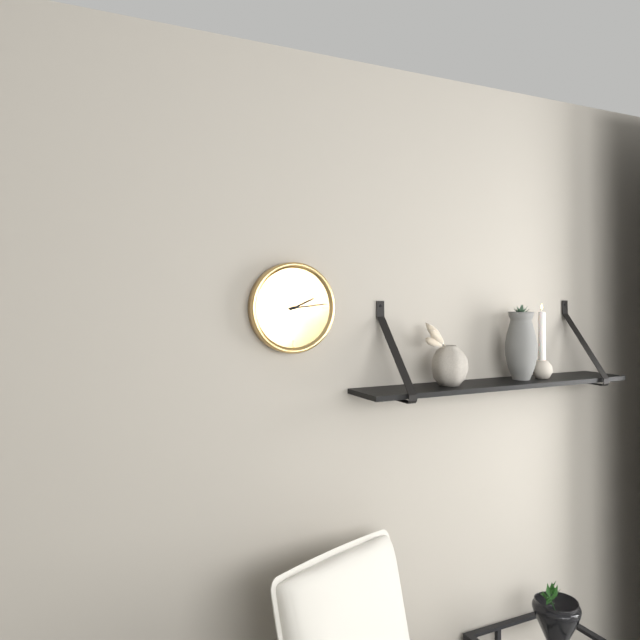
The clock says 2:14
